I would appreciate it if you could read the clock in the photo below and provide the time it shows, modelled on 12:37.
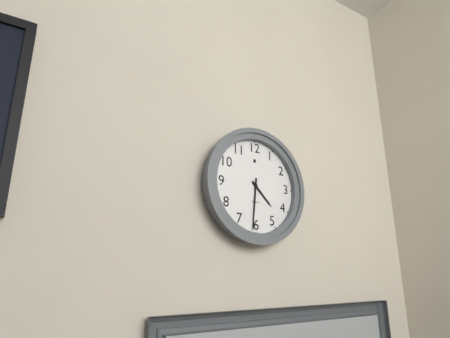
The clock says 4:31
